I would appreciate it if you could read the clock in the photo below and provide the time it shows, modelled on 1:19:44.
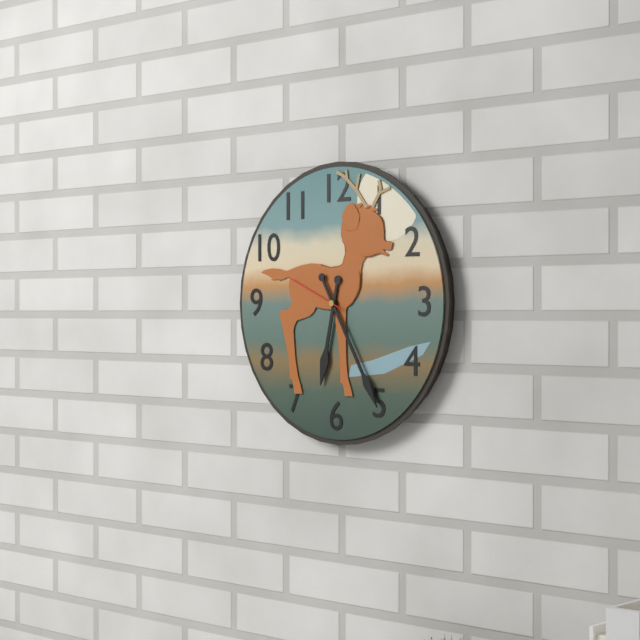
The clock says 6:25:49
